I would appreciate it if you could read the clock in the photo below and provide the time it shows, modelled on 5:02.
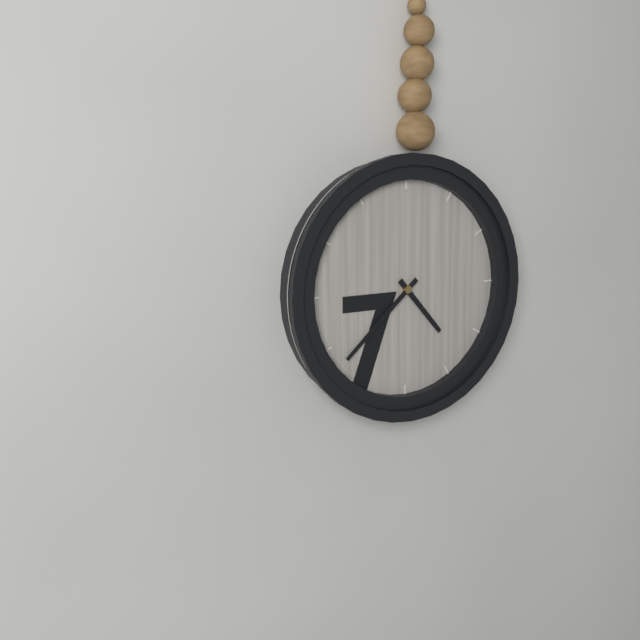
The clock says 4:38
